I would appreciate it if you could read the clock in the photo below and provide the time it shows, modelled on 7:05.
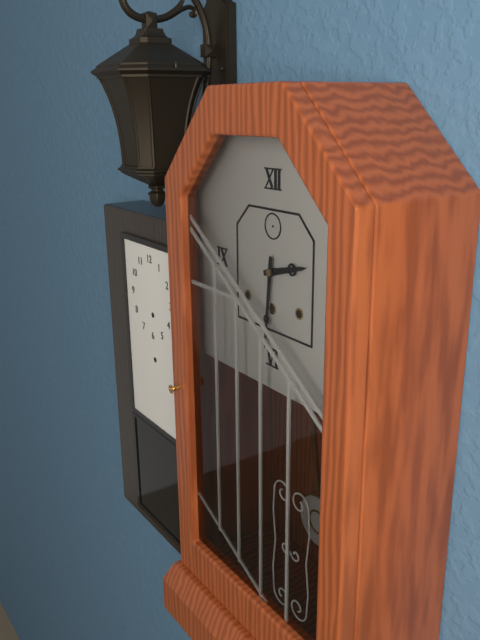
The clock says 2:31
